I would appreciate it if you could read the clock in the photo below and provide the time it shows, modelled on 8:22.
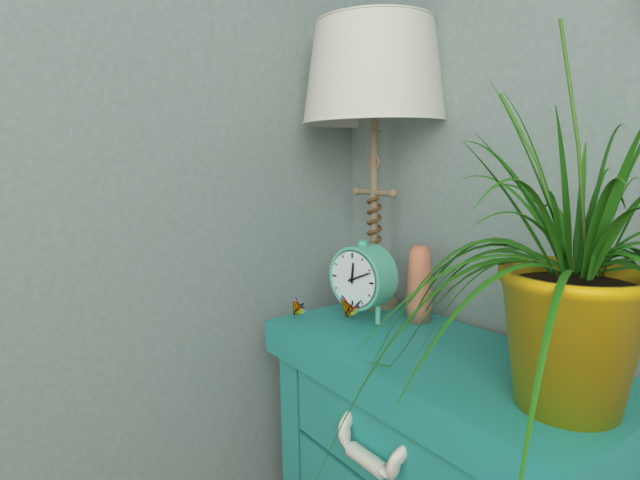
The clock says 12:11
